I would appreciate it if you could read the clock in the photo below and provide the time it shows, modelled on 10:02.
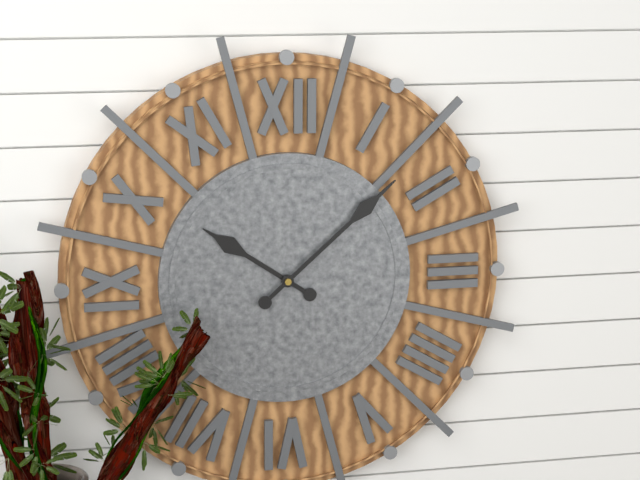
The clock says 10:08
